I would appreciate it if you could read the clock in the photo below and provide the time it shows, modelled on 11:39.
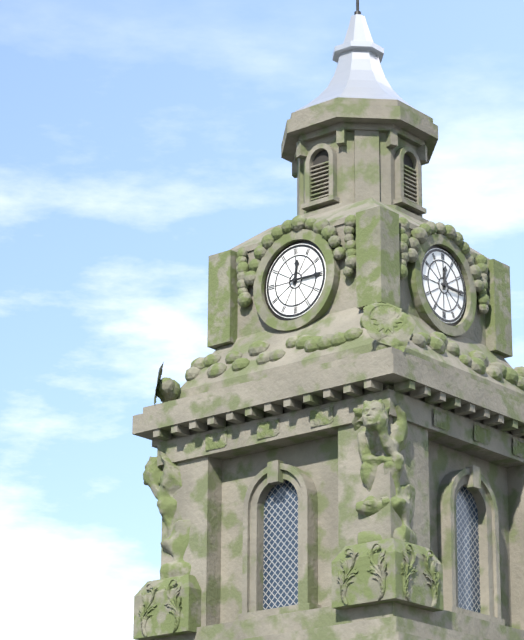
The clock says 12:15
